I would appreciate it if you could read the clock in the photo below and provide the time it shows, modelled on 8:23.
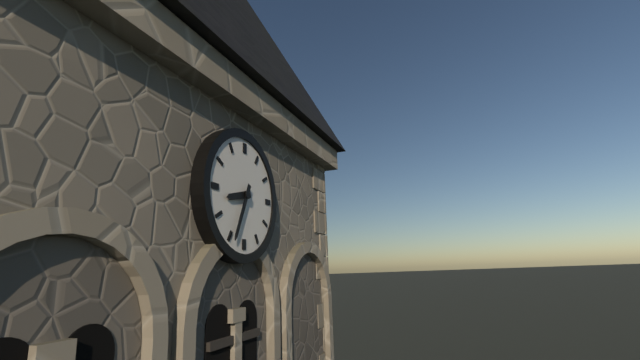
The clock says 8:34
